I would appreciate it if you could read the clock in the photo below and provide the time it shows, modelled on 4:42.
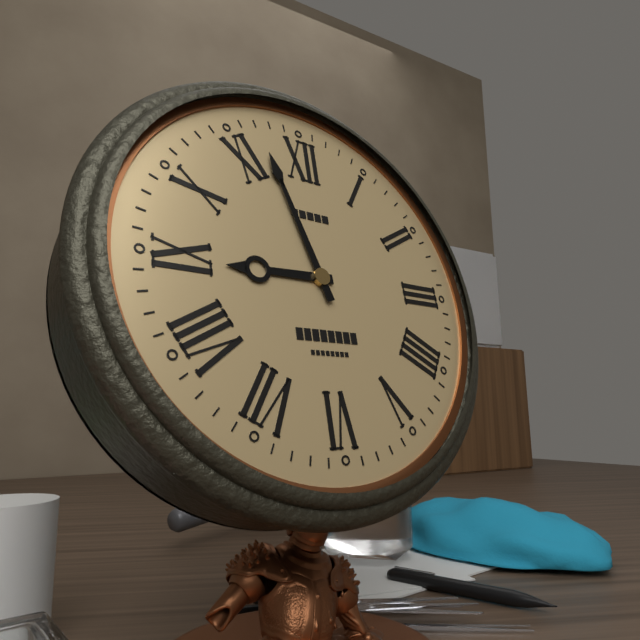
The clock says 8:57
